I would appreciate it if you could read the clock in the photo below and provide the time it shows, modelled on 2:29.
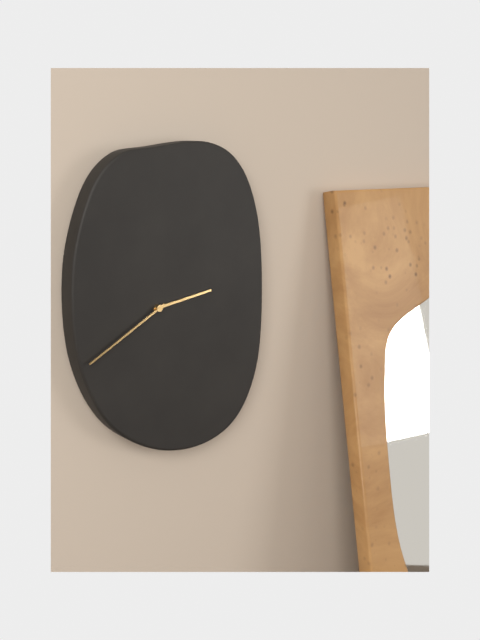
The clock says 2:40
